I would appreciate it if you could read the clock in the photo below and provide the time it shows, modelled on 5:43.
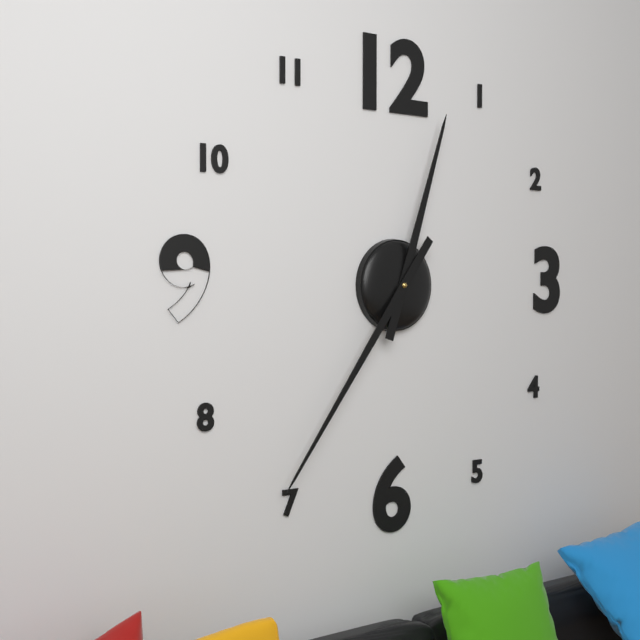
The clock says 12:36
